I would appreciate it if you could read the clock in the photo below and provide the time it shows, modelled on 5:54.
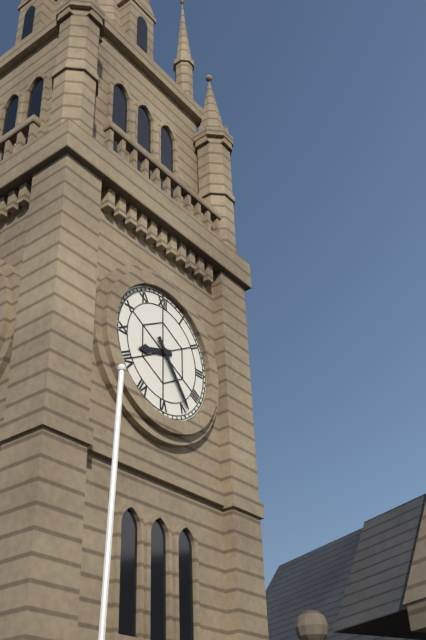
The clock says 8:24
